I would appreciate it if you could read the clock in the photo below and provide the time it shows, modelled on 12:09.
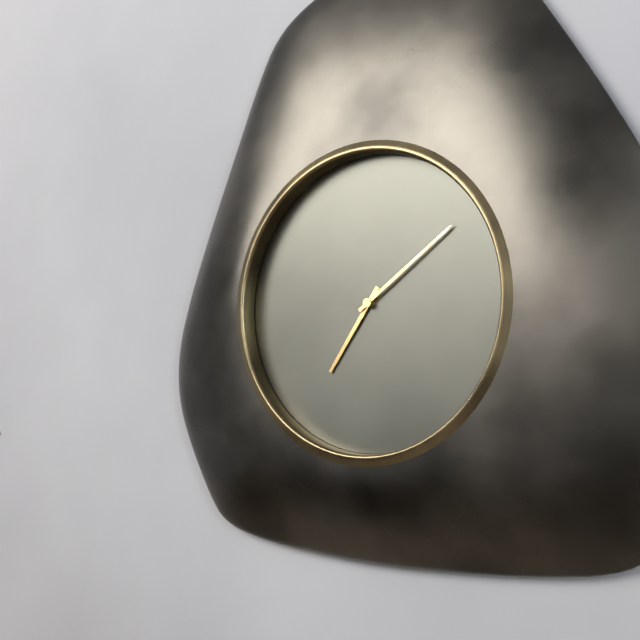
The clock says 7:09
